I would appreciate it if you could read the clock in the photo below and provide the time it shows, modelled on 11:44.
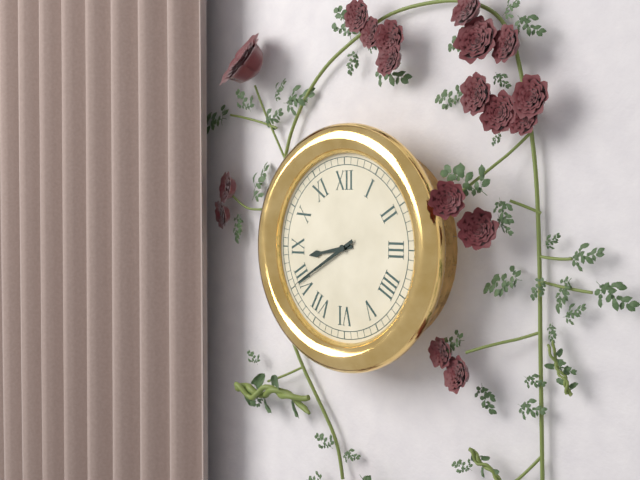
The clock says 8:40
